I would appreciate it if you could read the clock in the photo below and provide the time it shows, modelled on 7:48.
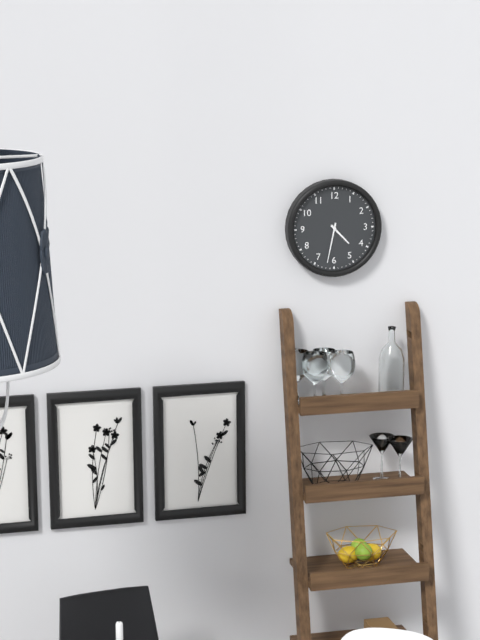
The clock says 4:32
